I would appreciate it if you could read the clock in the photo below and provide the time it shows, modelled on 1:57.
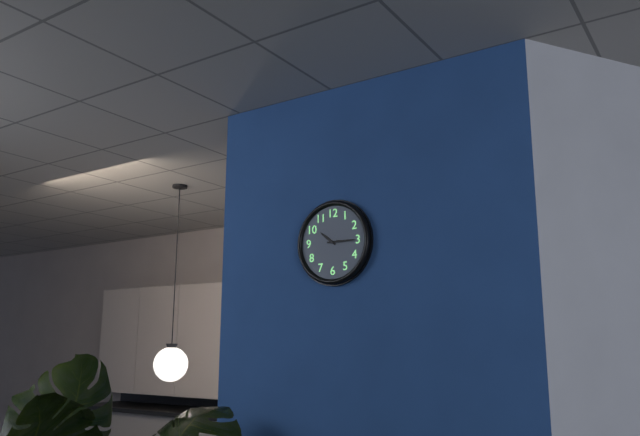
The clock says 10:15
